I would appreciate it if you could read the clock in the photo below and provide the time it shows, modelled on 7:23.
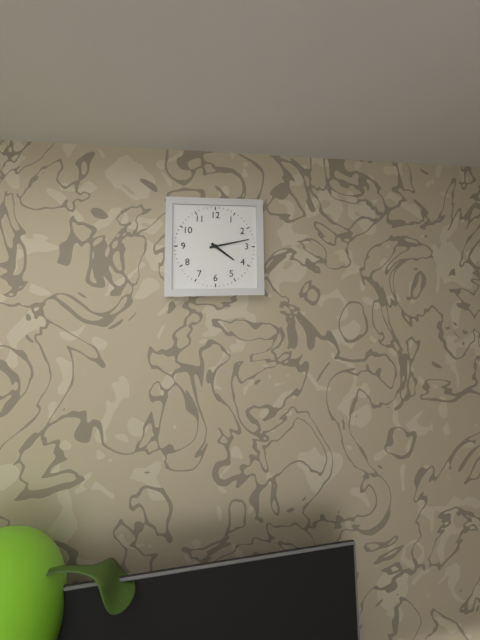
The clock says 4:13
